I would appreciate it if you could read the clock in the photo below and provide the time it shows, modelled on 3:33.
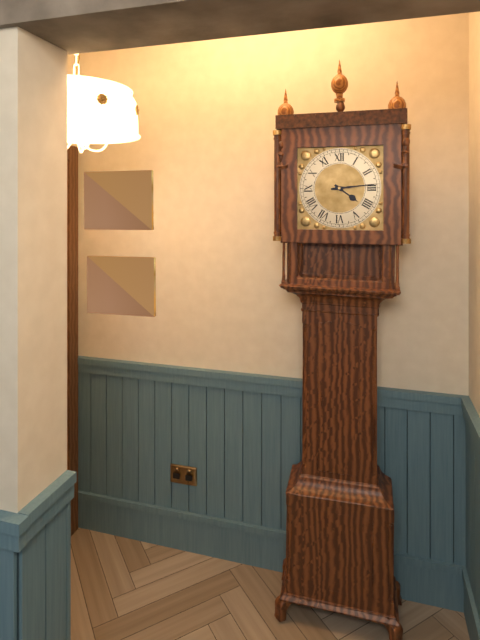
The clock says 4:14
